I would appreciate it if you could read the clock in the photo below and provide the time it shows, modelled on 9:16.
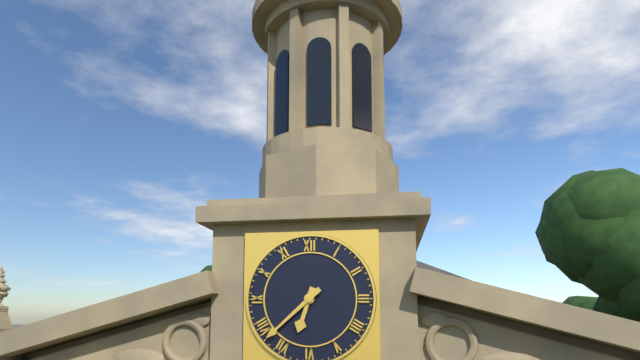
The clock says 6:38
